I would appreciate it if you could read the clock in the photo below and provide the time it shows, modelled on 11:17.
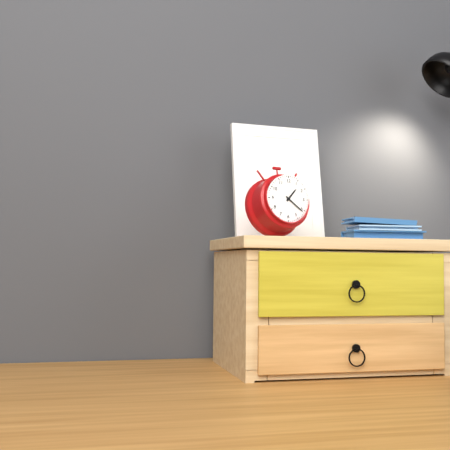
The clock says 1:21
